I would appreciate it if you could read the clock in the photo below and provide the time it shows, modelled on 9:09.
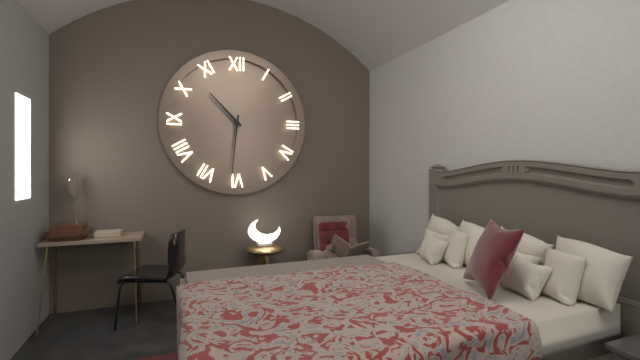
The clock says 10:31
